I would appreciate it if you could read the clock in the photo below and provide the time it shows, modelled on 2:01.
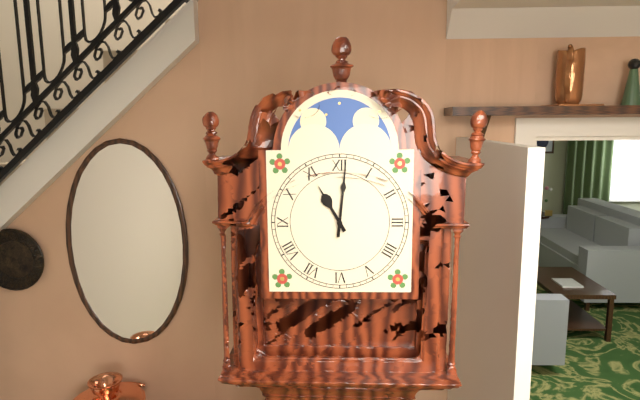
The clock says 11:01
